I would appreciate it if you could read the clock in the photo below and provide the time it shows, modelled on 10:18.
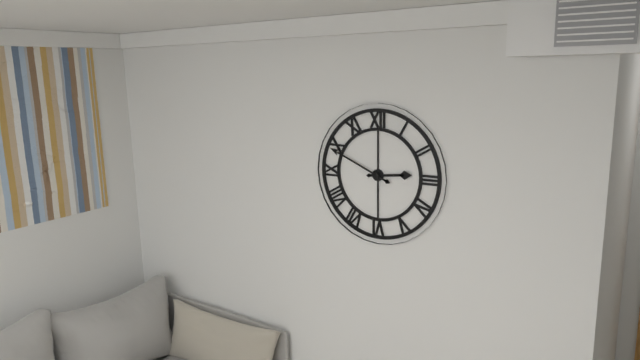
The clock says 2:49
